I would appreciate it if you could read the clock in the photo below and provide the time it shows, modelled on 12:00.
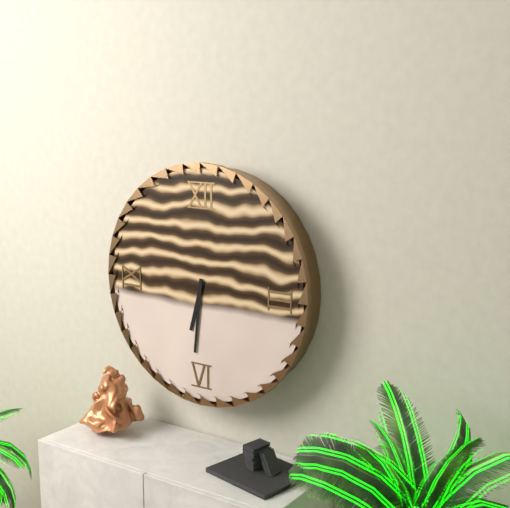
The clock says 6:31
